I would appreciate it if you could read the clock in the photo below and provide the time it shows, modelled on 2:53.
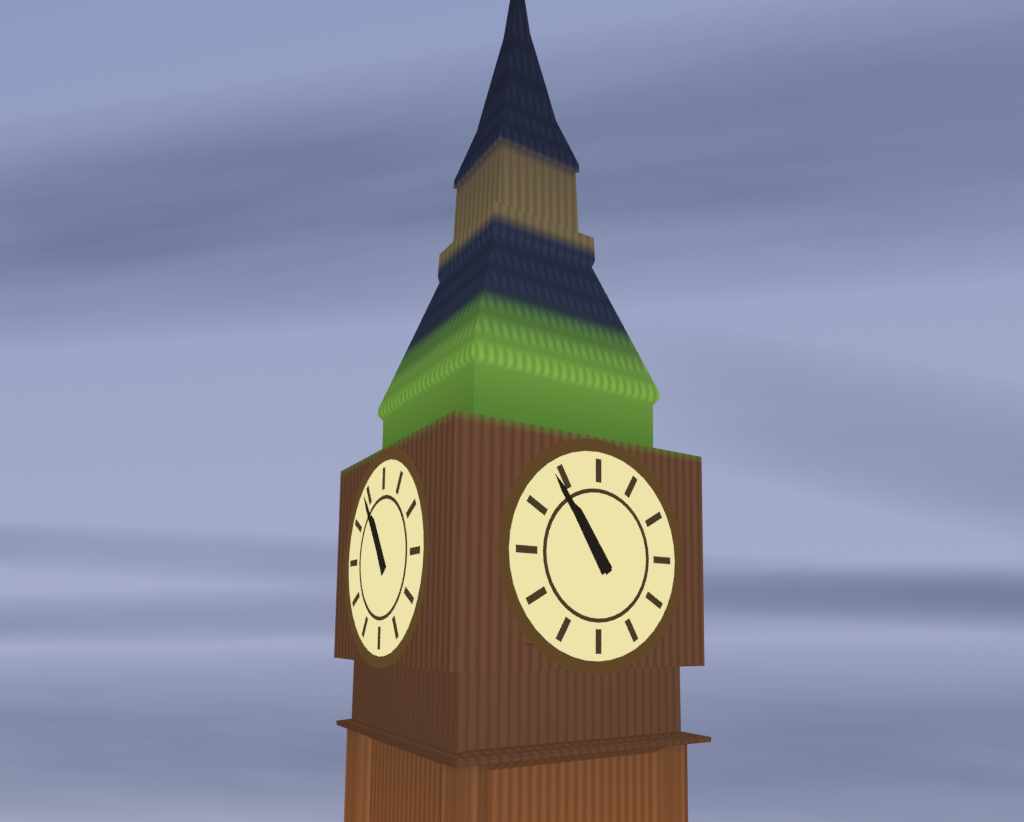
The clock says 10:54
